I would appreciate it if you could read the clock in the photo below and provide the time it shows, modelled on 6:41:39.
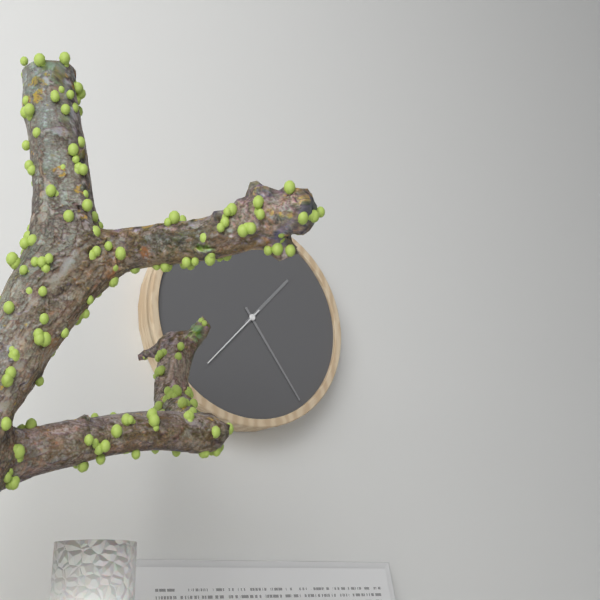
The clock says 1:24:37
